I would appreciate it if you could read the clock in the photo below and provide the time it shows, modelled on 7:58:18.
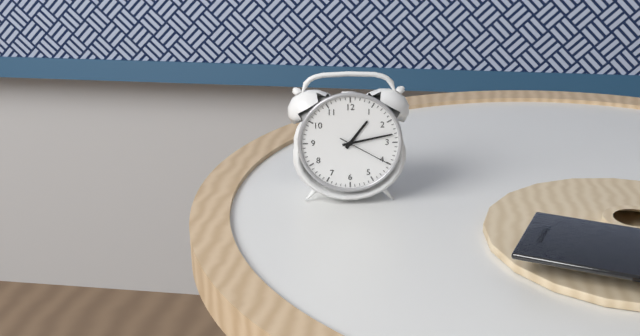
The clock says 1:13:20
